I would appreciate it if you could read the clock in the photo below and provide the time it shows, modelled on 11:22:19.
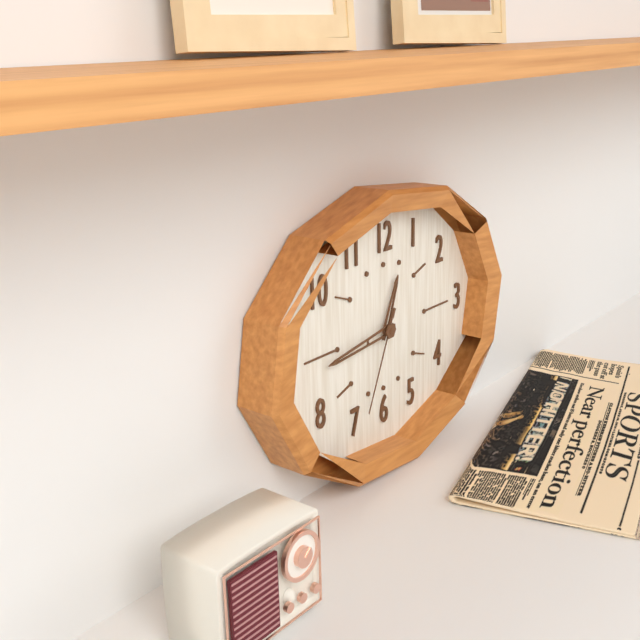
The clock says 12:44:34
